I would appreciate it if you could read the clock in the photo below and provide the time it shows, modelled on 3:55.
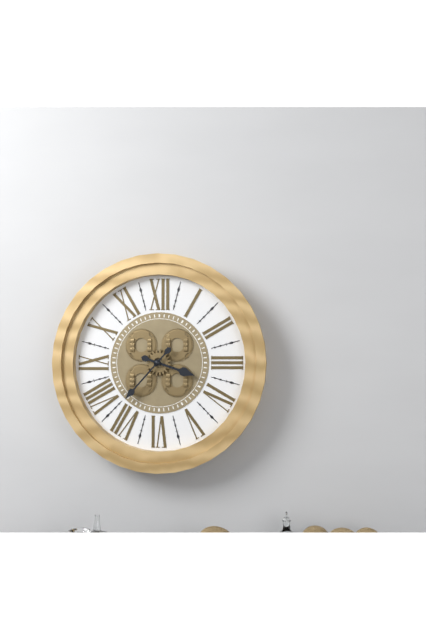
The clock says 3:37
